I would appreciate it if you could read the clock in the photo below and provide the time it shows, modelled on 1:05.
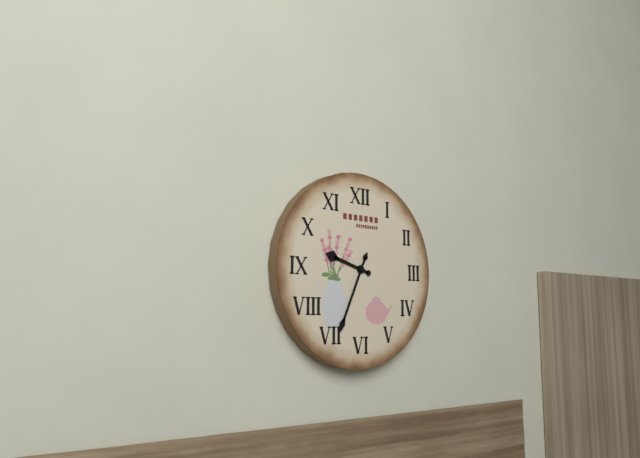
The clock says 9:34
